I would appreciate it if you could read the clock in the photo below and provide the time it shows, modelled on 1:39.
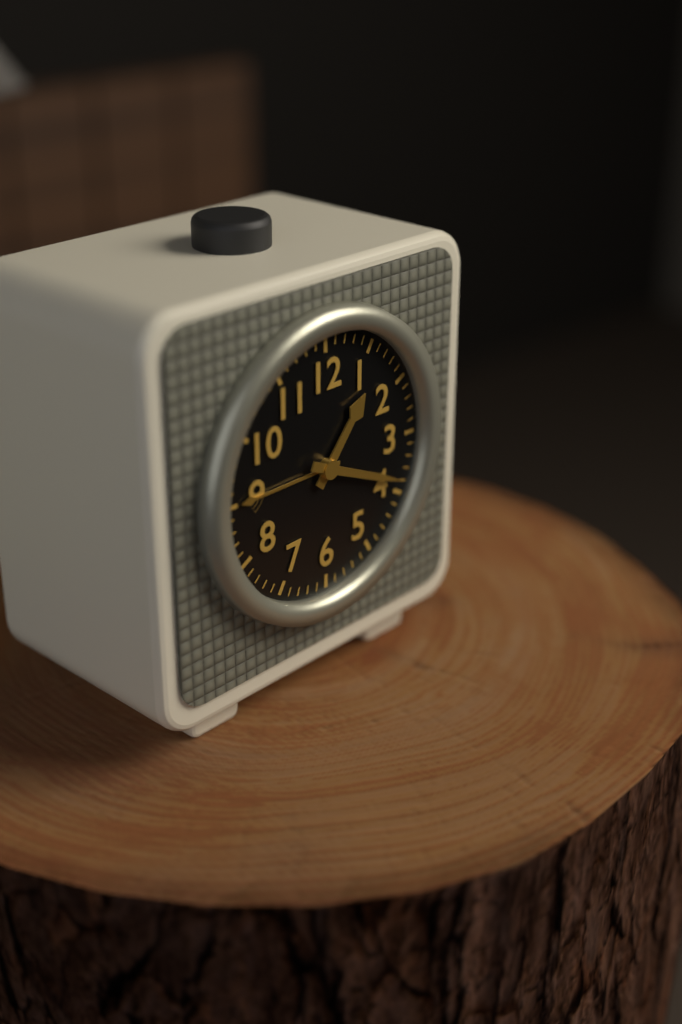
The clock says 1:19
